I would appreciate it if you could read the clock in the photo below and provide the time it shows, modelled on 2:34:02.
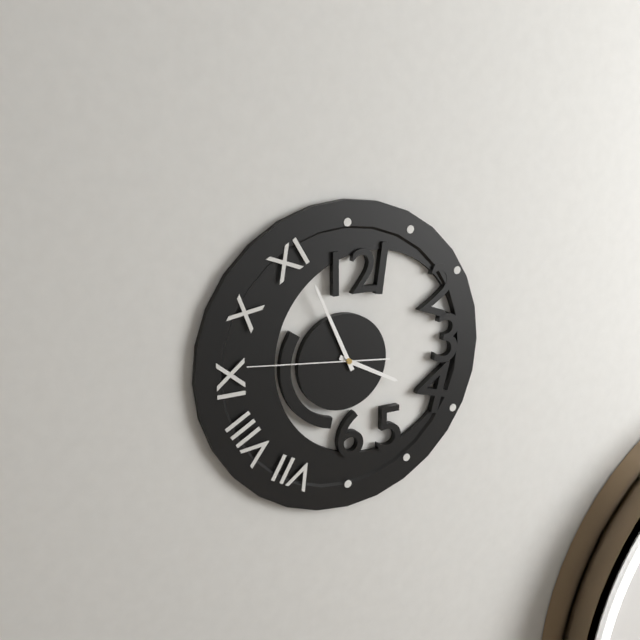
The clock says 3:56:46
